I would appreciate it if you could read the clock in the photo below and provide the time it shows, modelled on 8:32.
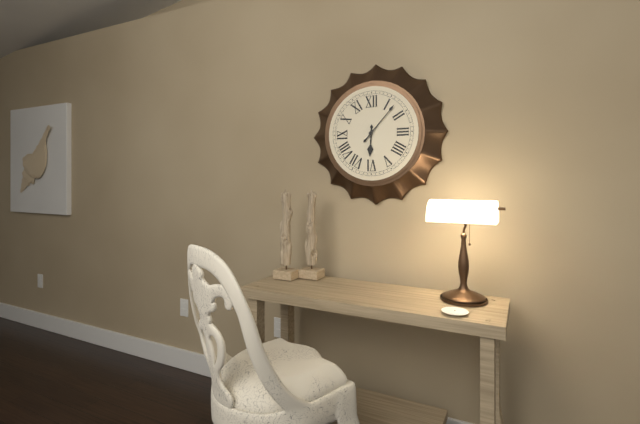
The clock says 6:07
